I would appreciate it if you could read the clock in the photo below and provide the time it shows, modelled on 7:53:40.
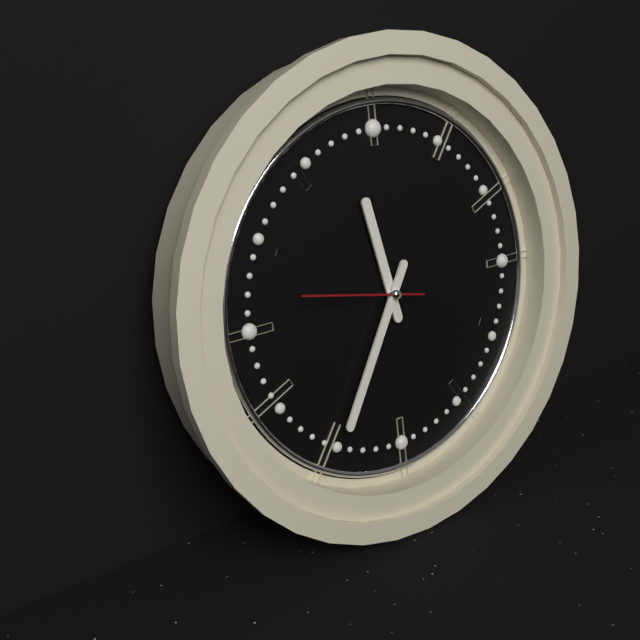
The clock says 11:35:47
